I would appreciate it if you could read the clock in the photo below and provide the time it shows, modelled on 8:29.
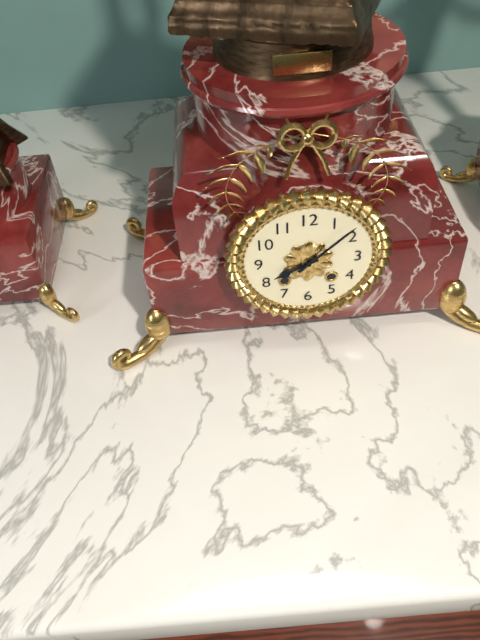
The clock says 8:08
